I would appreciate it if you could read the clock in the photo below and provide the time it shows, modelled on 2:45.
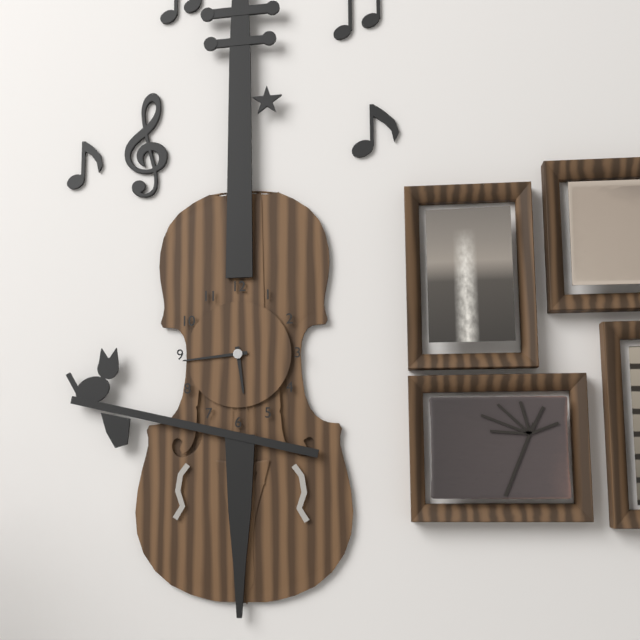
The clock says 5:44
